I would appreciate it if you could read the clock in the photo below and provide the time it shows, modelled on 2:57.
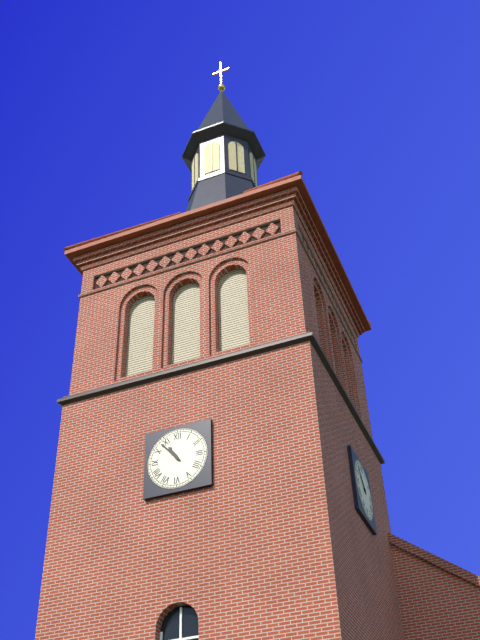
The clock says 10:53
